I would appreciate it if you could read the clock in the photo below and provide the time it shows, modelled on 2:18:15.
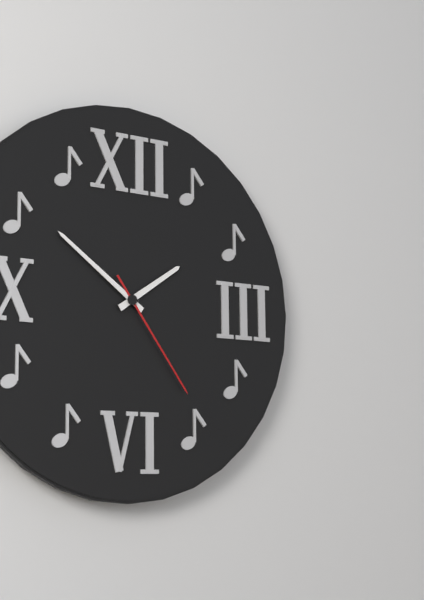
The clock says 1:51:24
